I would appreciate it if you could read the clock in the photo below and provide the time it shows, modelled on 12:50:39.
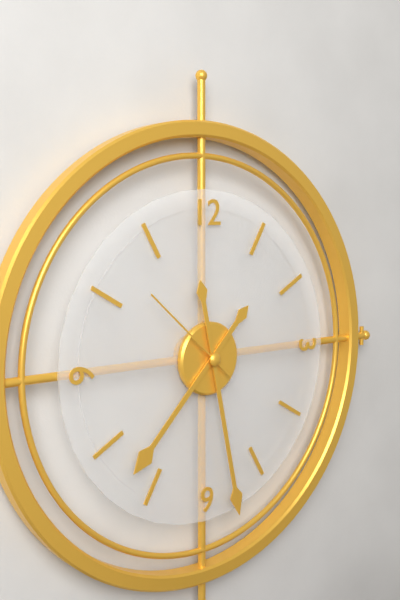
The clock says 7:28:52
